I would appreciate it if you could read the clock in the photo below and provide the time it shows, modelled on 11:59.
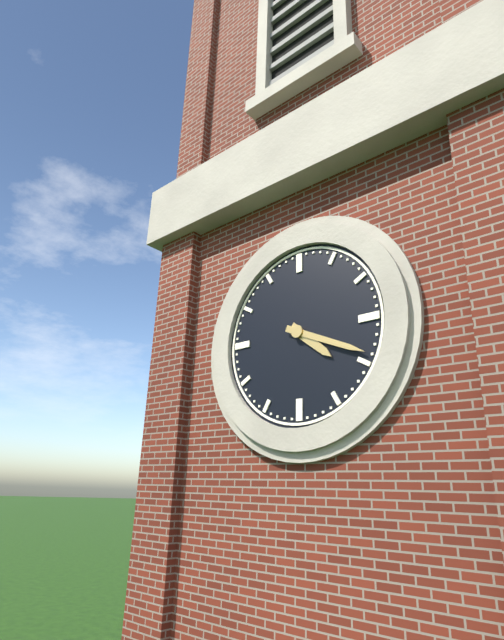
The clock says 4:19
